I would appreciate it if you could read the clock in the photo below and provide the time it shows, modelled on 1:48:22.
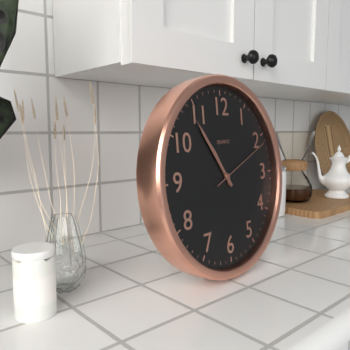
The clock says 10:54:11
